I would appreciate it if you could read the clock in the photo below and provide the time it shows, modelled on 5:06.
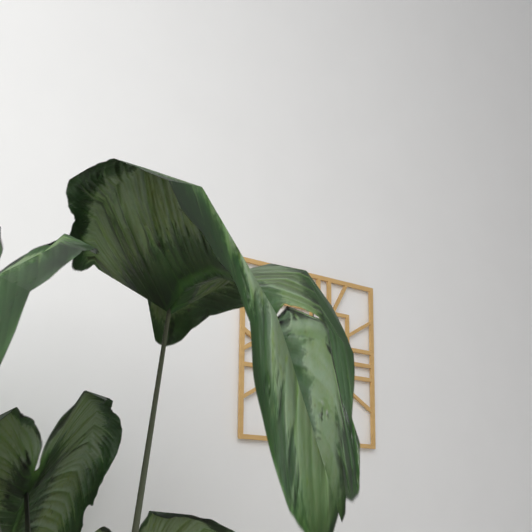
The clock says 1:00
